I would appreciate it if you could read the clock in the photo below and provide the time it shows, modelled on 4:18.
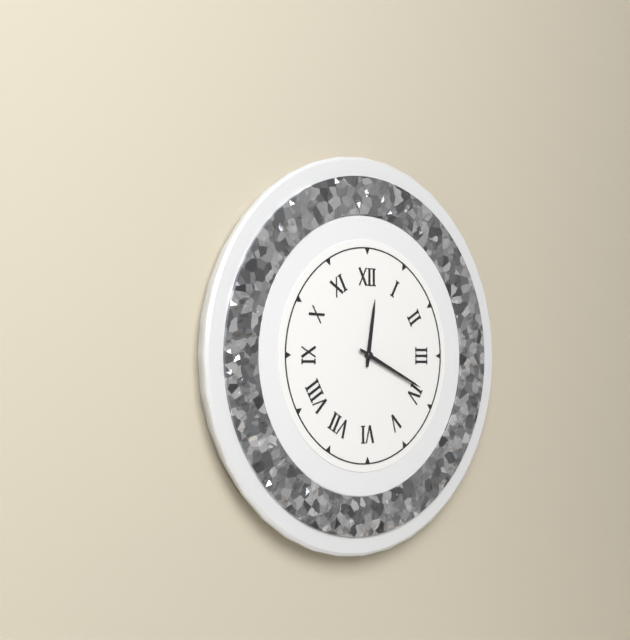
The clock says 12:19
